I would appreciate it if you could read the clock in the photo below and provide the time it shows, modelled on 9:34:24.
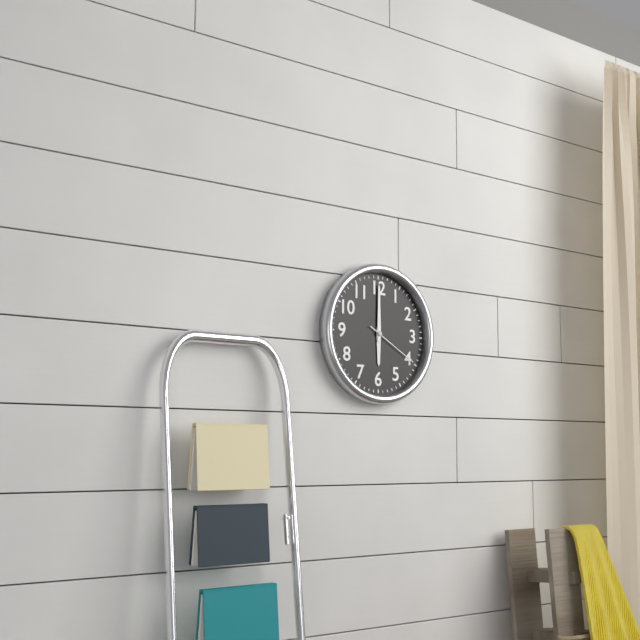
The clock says 6:00:20
